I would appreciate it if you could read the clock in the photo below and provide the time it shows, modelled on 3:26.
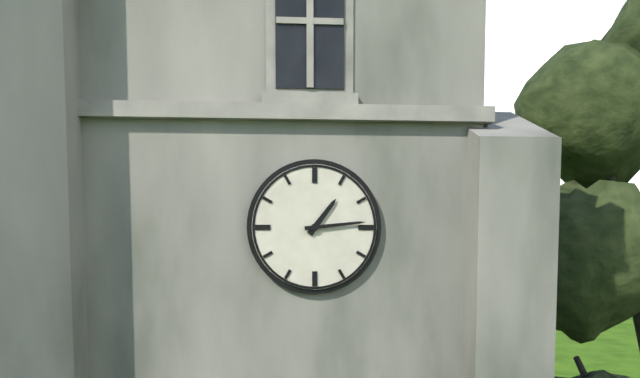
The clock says 1:14
